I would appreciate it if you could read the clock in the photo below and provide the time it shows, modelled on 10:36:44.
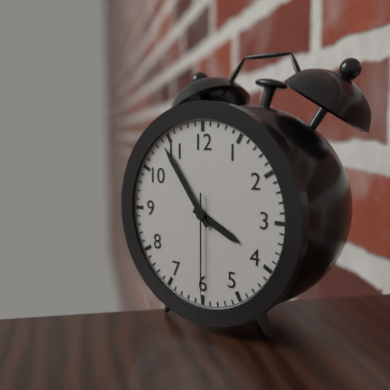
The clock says 3:54:30
